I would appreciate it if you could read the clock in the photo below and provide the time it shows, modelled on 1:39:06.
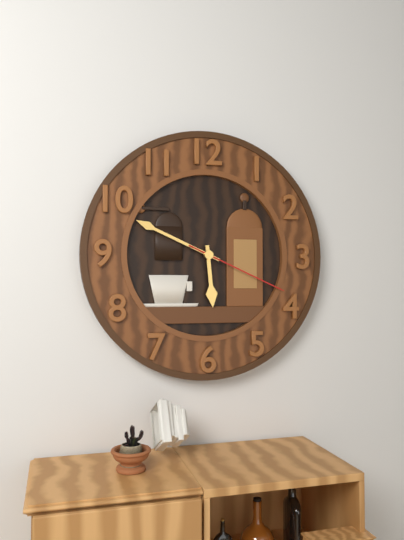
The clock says 5:49:19
